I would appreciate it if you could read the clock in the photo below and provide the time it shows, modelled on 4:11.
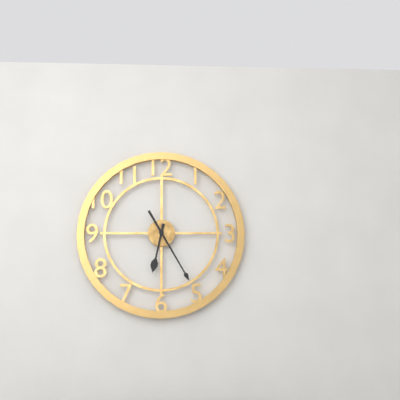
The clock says 6:25
